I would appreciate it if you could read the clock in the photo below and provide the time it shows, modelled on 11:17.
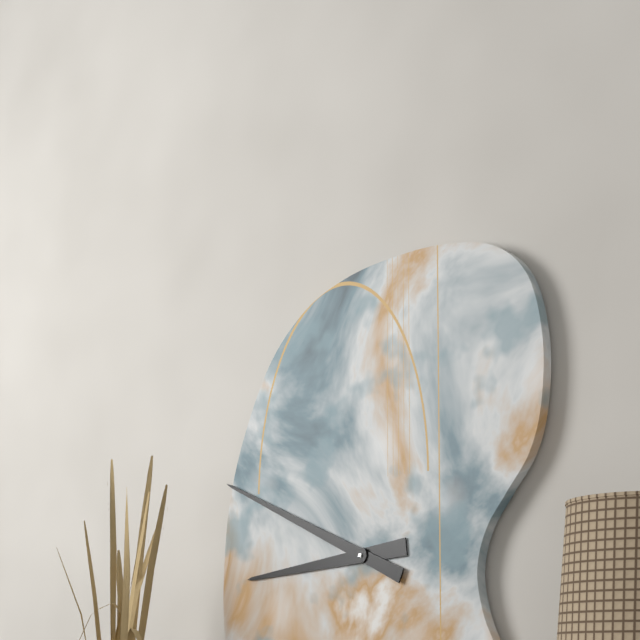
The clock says 8:49
